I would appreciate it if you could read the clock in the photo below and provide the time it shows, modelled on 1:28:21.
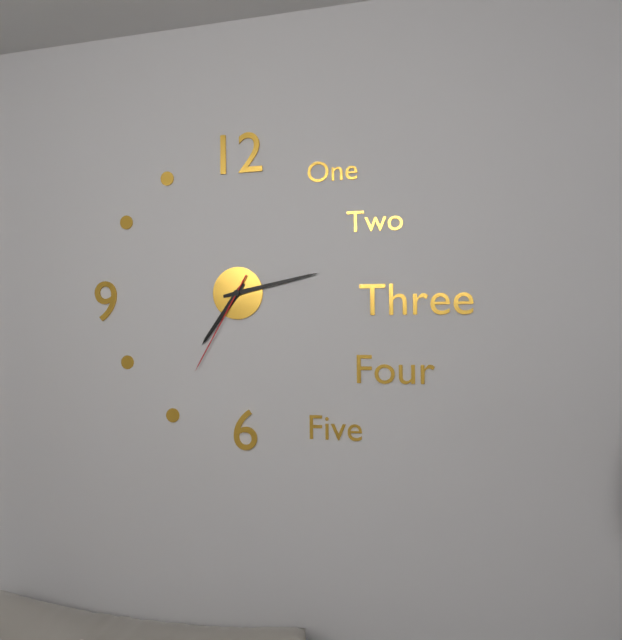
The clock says 7:13:35
